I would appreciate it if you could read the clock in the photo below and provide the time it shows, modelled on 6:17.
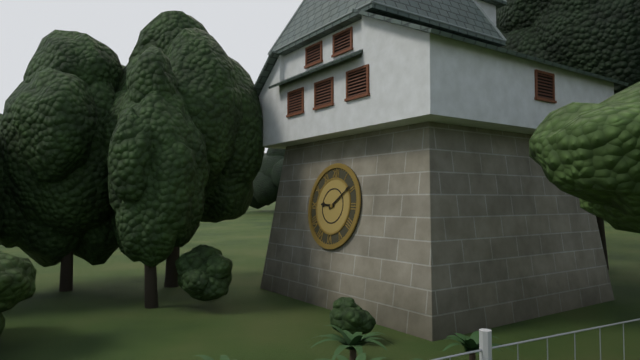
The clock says 9:09
